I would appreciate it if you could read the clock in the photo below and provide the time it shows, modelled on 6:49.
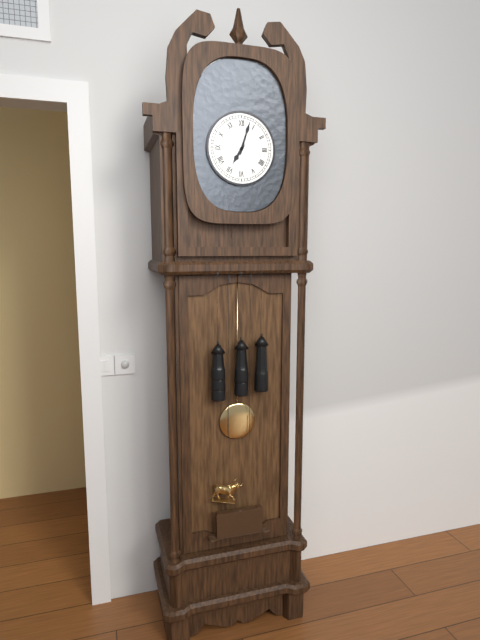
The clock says 7:03
